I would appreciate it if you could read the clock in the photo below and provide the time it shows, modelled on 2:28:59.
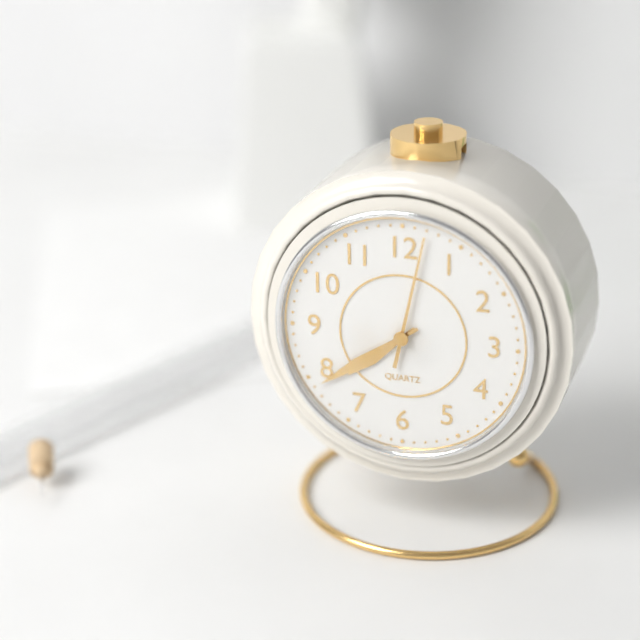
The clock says 7:39:02
